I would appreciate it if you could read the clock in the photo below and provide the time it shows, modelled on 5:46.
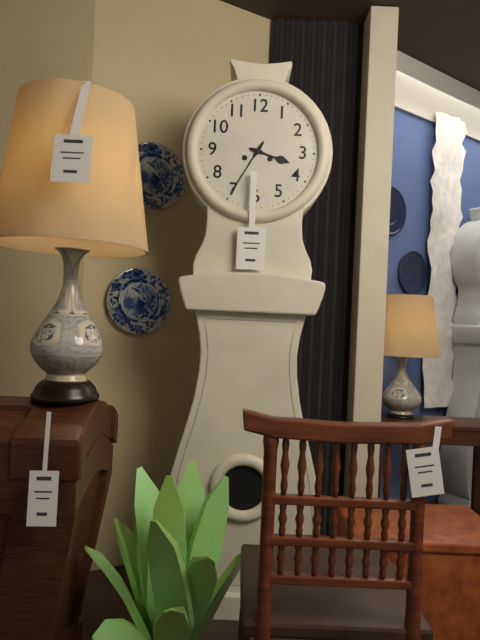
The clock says 3:35
